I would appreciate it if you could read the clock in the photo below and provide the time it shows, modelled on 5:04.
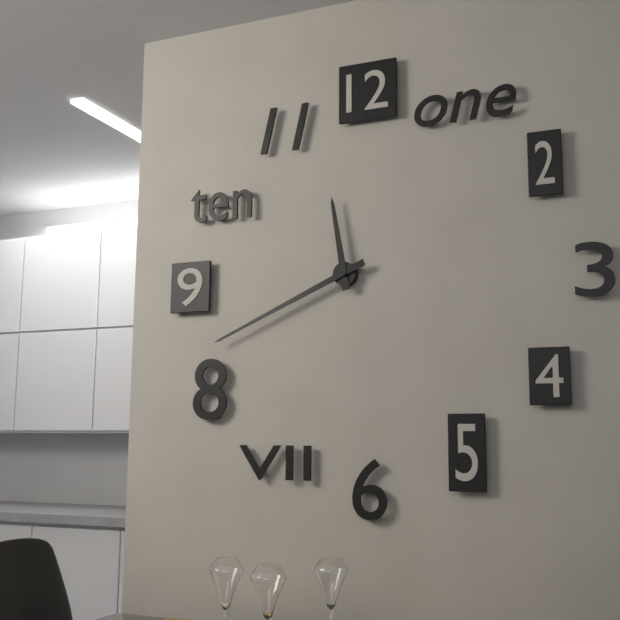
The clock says 11:41
